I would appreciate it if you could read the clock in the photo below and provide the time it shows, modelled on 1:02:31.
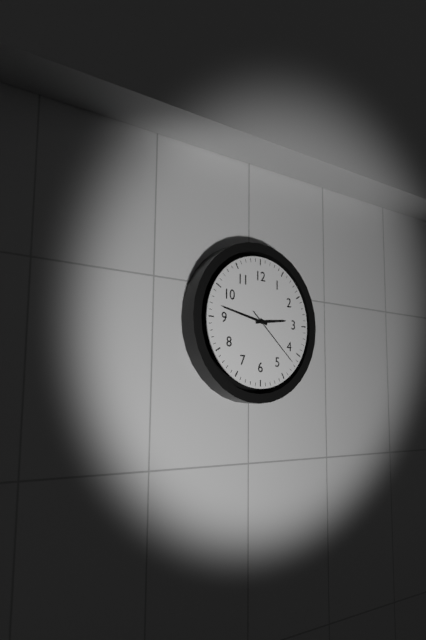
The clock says 2:47:22
